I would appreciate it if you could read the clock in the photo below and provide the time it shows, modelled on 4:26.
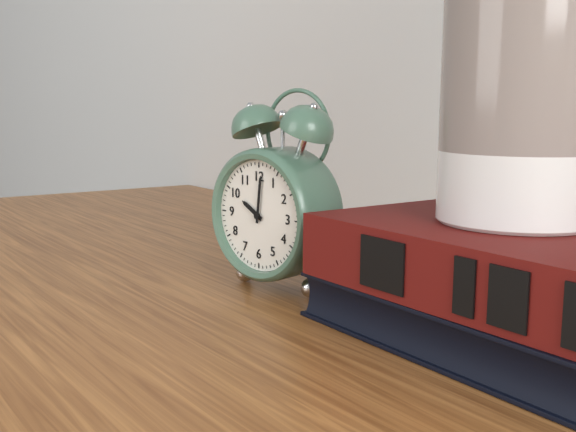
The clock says 10:01
